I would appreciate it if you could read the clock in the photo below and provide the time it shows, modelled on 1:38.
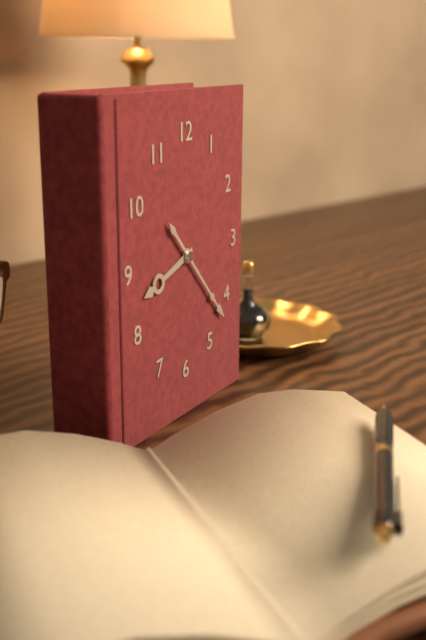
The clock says 8:23
